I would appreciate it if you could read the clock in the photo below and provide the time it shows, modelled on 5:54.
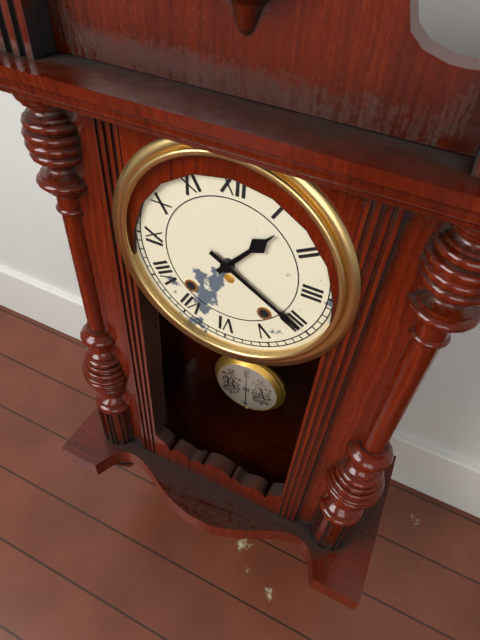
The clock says 1:20
